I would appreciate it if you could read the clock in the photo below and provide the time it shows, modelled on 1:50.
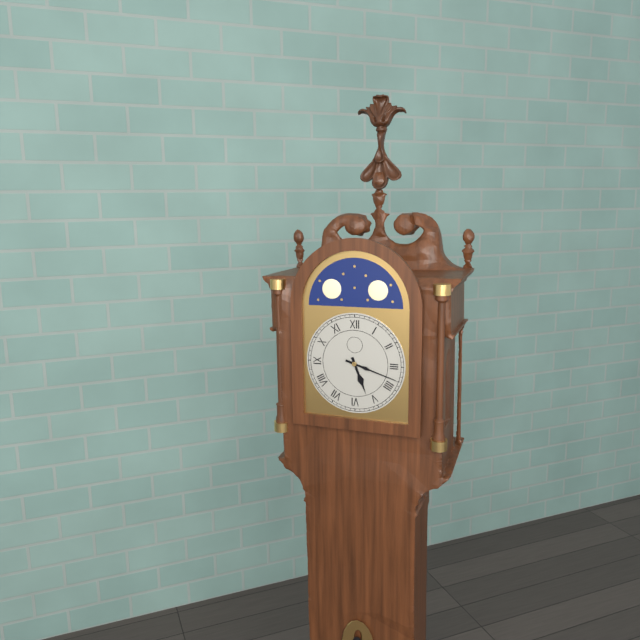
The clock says 5:18
